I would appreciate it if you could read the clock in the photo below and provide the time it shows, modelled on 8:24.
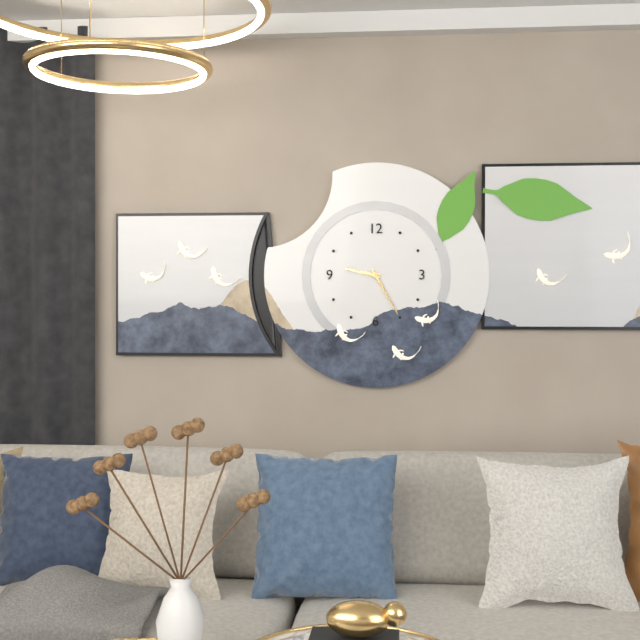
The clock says 9:25
